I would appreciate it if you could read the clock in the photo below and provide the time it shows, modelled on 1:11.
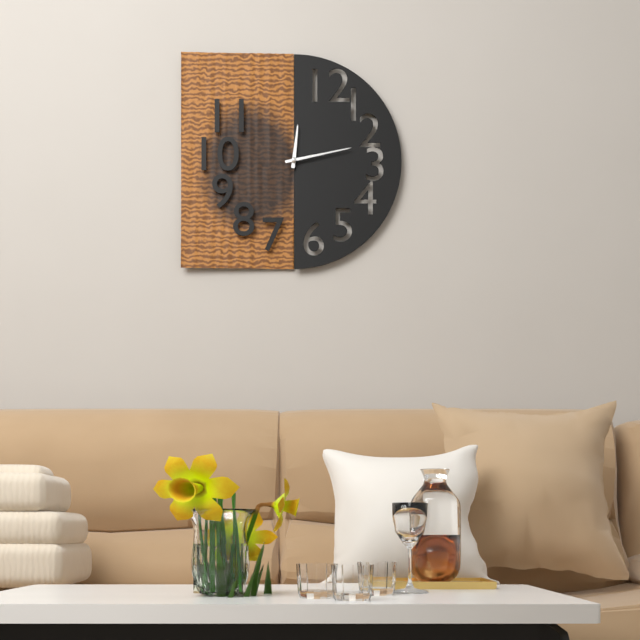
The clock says 12:13
